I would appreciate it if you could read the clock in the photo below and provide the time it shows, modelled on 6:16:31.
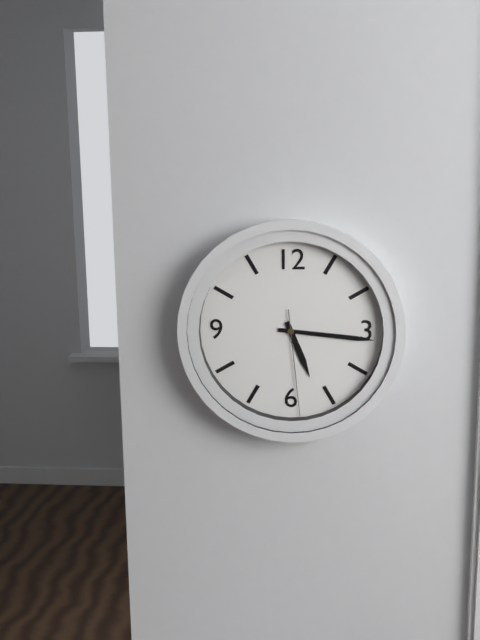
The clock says 5:16:29
